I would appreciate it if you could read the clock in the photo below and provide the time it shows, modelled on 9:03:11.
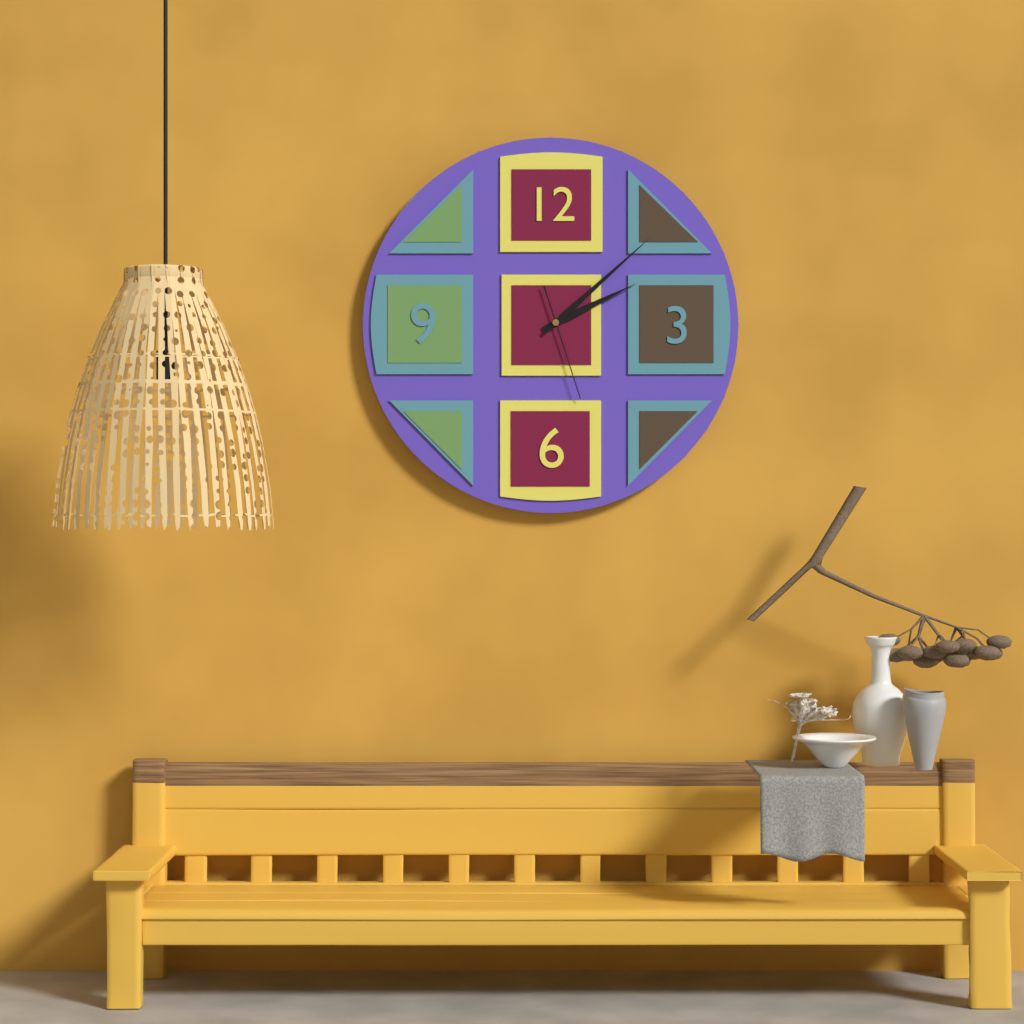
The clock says 2:08:27
